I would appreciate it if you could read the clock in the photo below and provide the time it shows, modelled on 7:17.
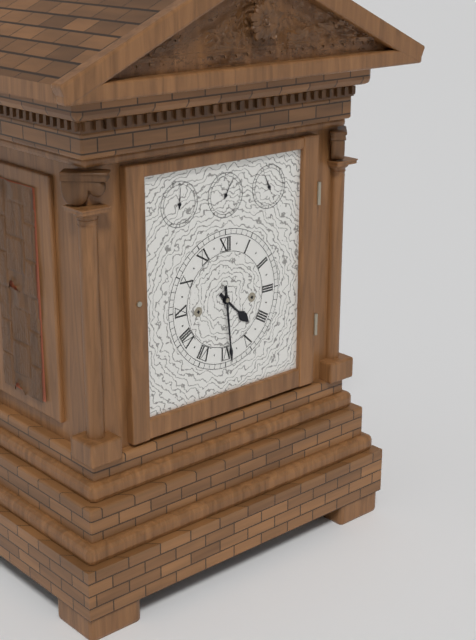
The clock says 4:29
